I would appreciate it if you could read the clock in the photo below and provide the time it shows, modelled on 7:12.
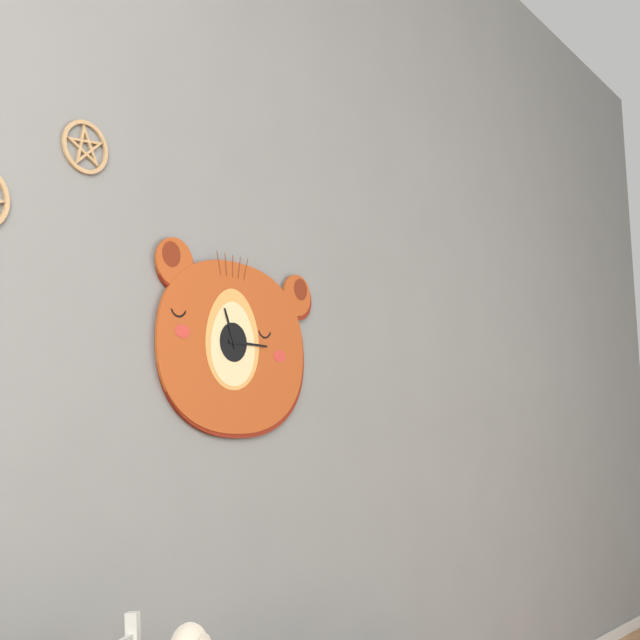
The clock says 11:15
